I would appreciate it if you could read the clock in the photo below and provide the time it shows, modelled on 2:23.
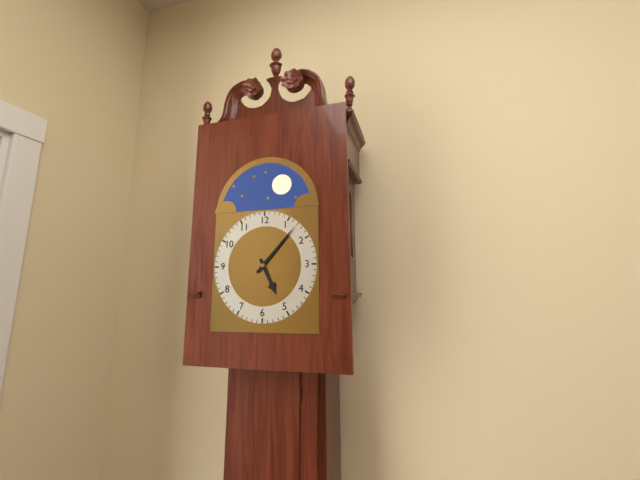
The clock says 5:07
